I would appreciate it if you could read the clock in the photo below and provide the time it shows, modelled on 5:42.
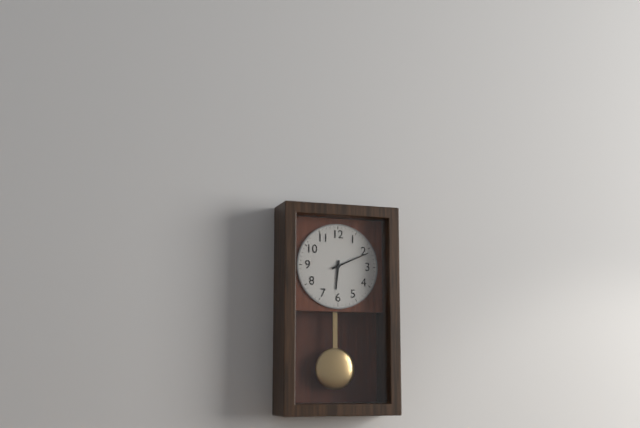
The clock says 6:11
